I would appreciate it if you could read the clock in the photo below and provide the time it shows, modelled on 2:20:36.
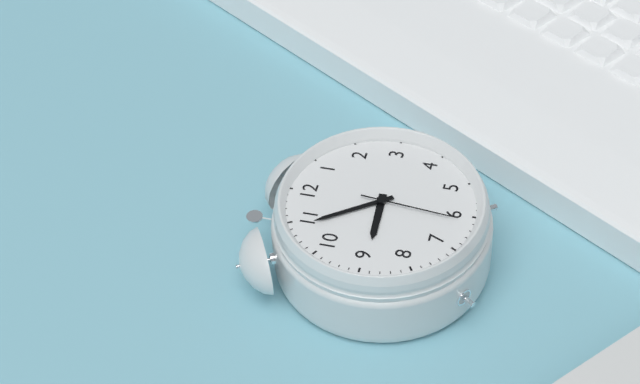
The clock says 8:54:31
